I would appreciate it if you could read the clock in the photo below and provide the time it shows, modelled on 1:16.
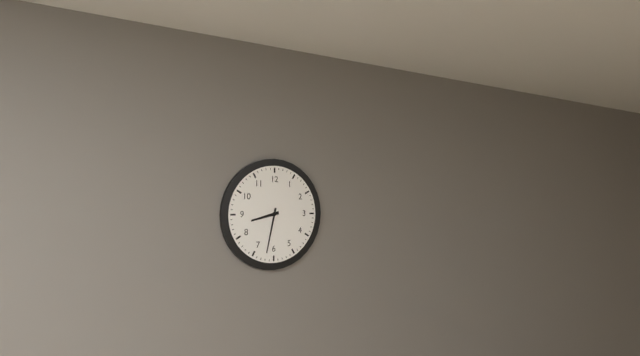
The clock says 8:32
